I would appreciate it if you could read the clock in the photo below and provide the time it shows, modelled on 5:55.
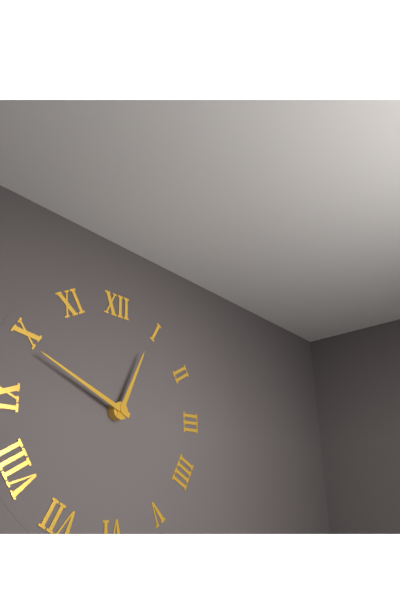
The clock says 12:49
